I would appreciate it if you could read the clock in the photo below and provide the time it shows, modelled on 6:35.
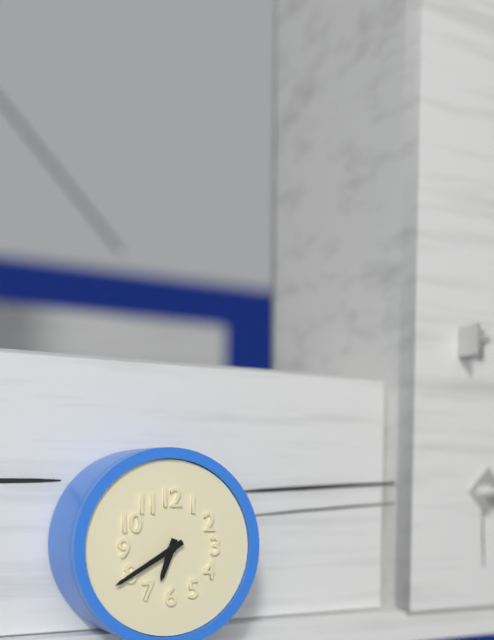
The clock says 6:40
